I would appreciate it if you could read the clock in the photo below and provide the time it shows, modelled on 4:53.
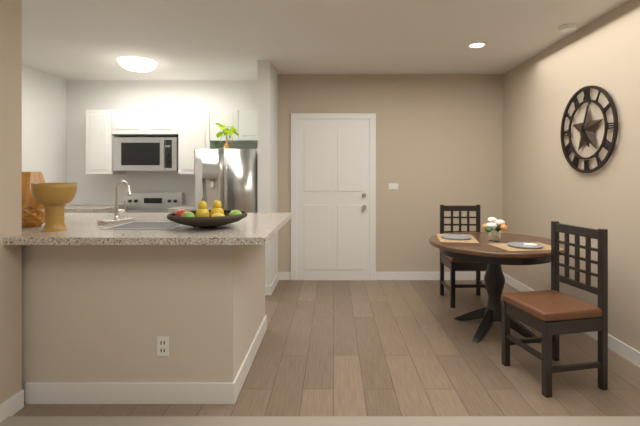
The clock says 5:04
